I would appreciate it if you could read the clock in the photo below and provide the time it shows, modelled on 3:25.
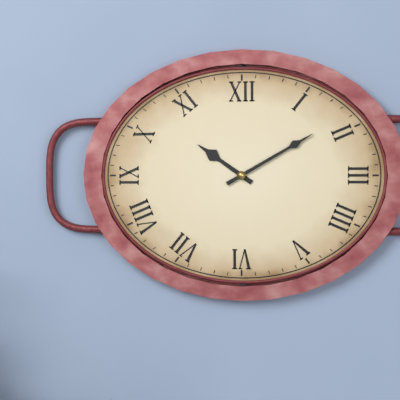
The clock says 10:10
